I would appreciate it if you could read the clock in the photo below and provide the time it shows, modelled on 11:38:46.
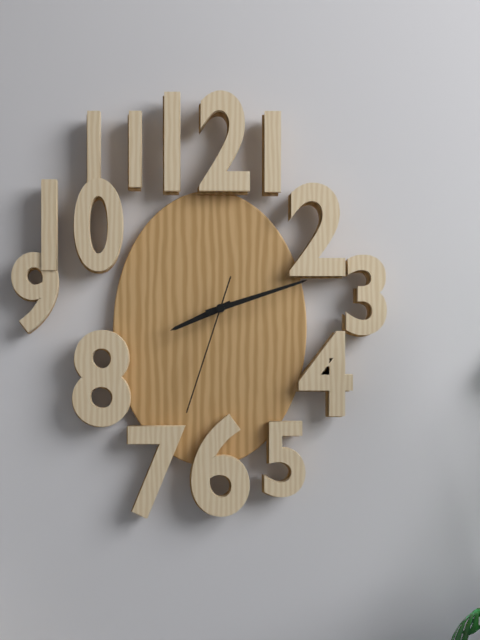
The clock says 8:12:33
